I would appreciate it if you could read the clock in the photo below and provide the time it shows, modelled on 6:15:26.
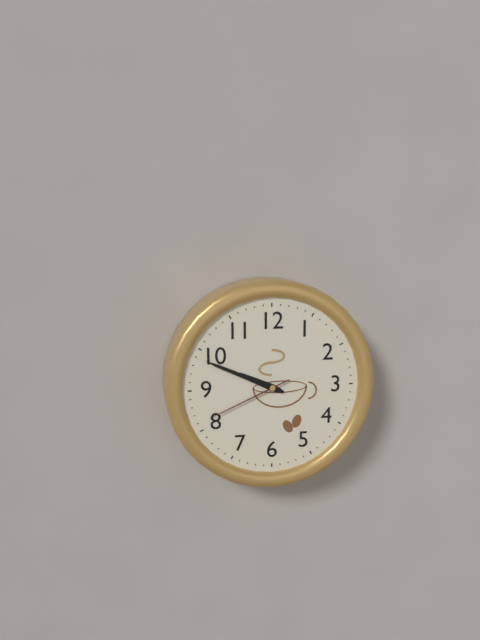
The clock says 9:49:41
